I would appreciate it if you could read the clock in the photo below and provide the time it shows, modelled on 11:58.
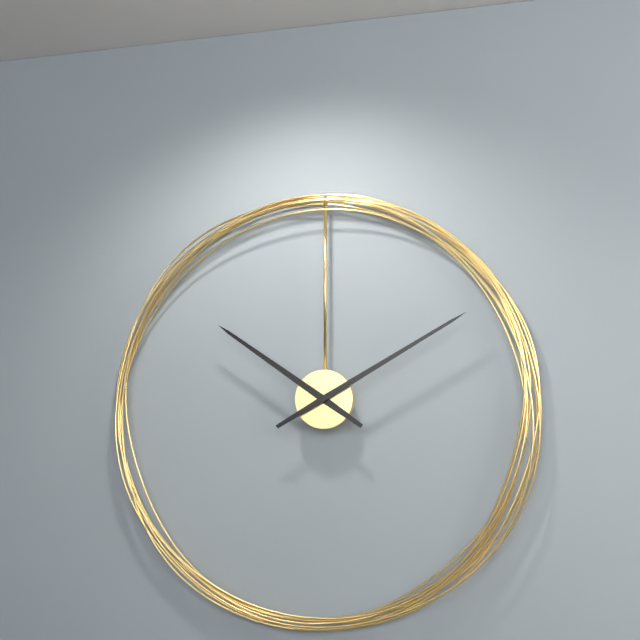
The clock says 10:10
